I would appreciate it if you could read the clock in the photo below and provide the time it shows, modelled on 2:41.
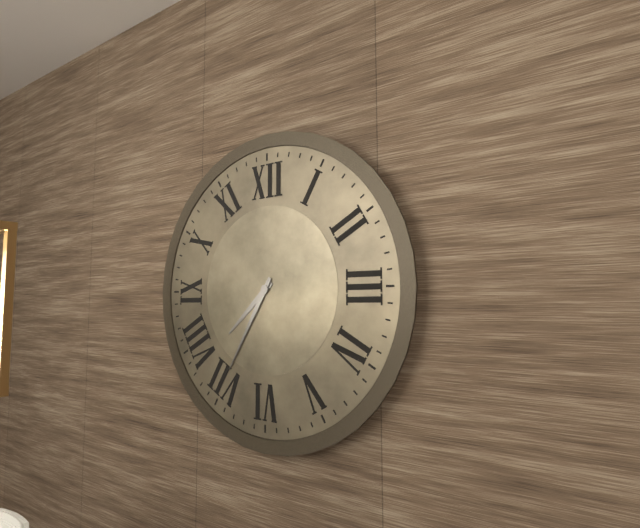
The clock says 7:35
